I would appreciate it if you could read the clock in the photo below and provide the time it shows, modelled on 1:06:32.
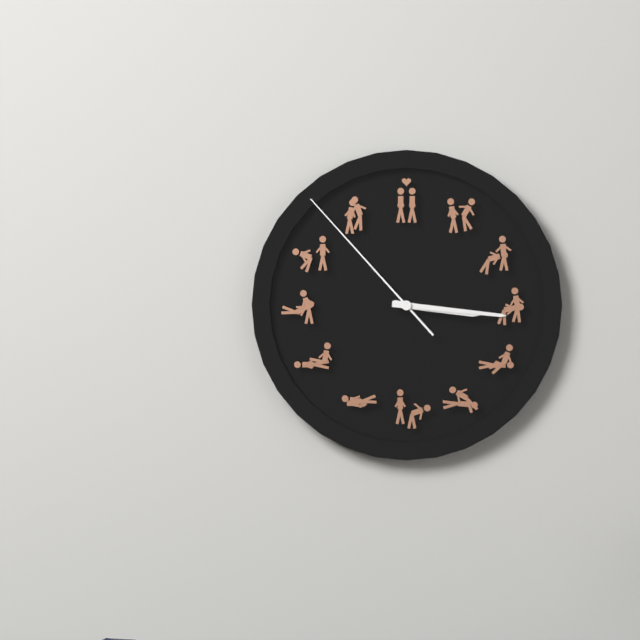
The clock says 3:16:53
